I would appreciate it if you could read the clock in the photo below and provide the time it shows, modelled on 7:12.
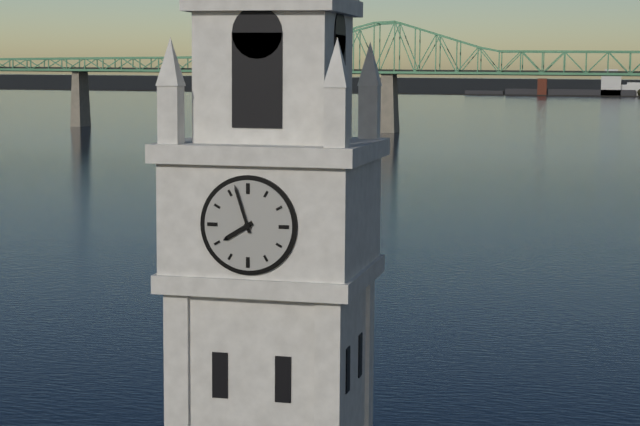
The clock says 7:57
